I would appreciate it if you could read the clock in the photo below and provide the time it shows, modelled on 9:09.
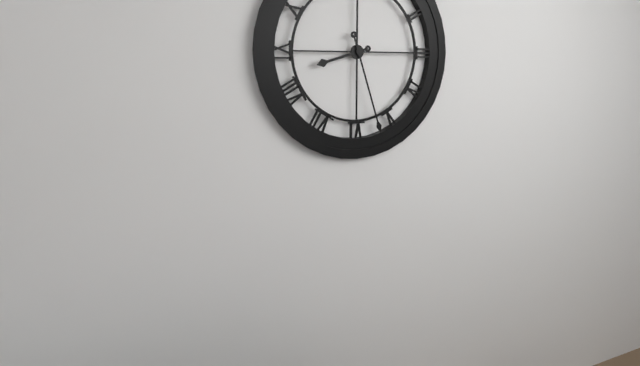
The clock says 8:27
